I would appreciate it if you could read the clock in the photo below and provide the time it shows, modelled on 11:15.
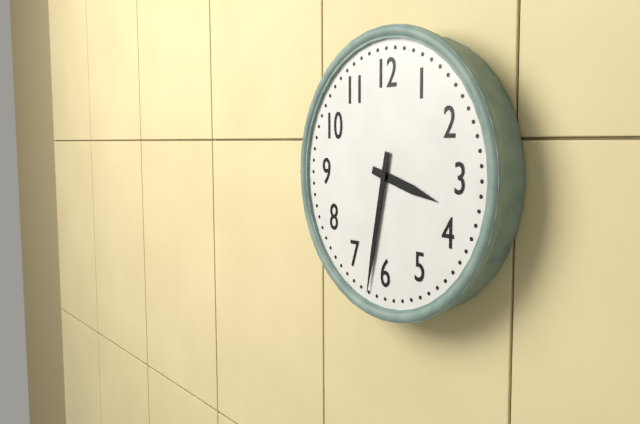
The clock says 3:32
